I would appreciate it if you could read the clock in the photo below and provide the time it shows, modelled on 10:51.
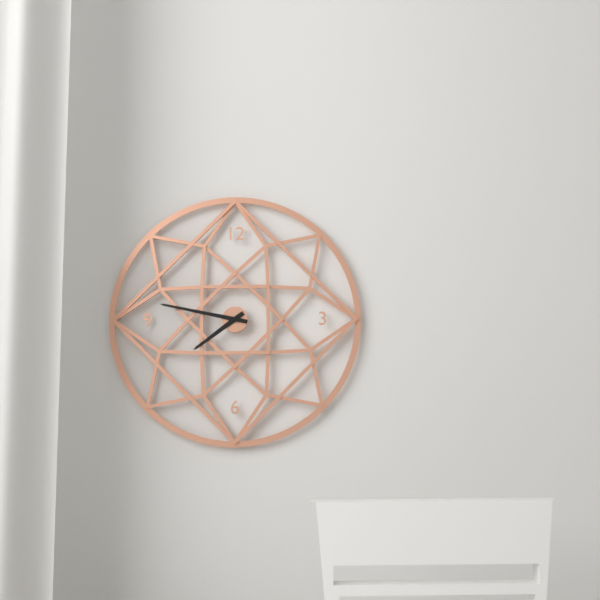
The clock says 7:47
